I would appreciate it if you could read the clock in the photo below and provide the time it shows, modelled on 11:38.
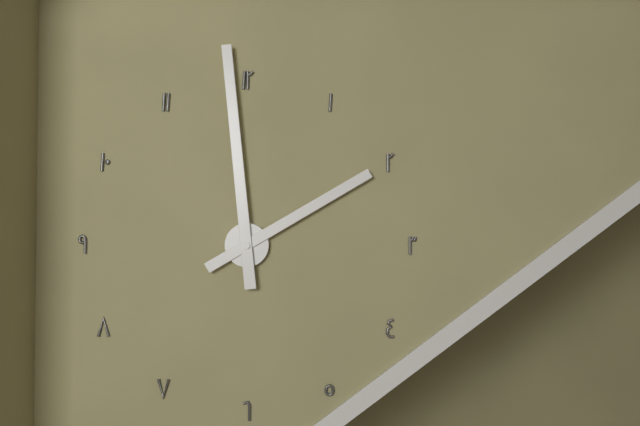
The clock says 1:59
